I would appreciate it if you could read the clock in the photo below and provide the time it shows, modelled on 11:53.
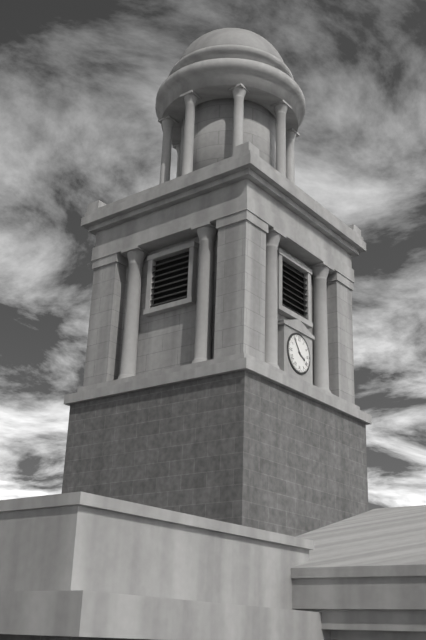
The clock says 3:54
